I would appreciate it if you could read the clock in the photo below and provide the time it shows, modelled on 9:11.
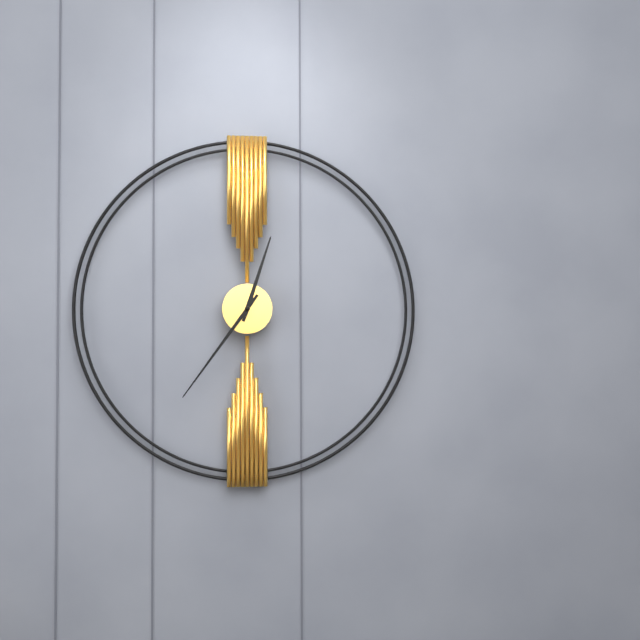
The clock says 12:36
